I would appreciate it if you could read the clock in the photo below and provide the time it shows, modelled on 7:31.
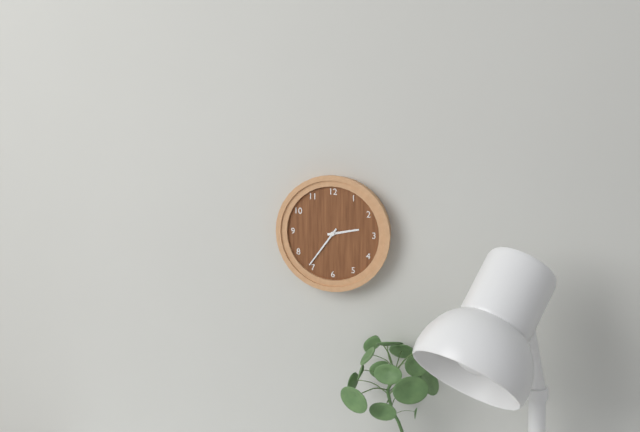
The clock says 2:36
